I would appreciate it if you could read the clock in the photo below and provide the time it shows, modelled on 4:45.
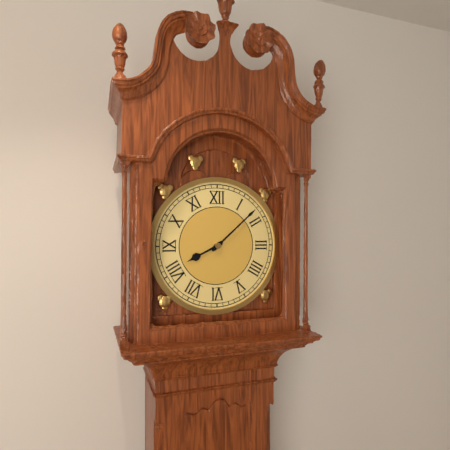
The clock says 8:08
